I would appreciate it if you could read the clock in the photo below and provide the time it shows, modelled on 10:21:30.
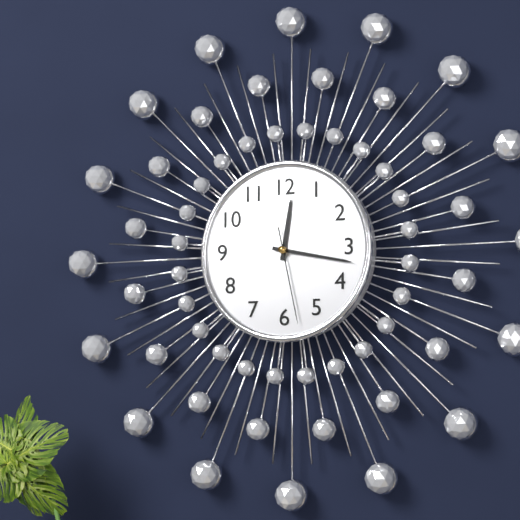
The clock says 12:17:28
